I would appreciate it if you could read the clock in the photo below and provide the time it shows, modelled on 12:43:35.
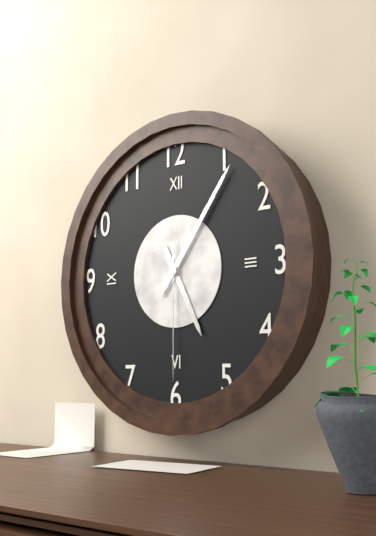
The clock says 5:06:30
